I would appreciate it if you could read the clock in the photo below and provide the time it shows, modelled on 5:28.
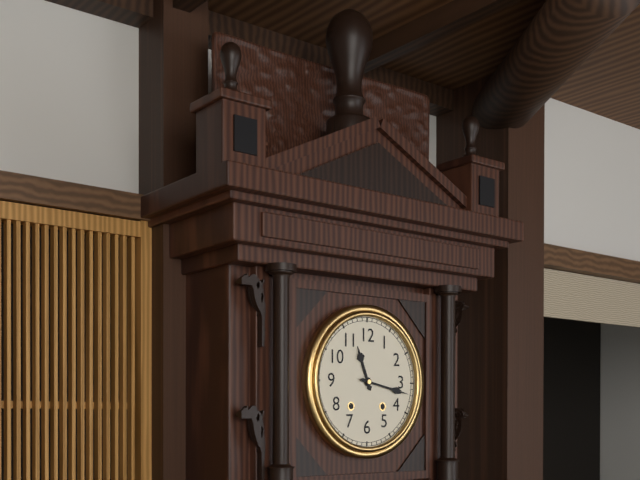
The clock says 11:17
